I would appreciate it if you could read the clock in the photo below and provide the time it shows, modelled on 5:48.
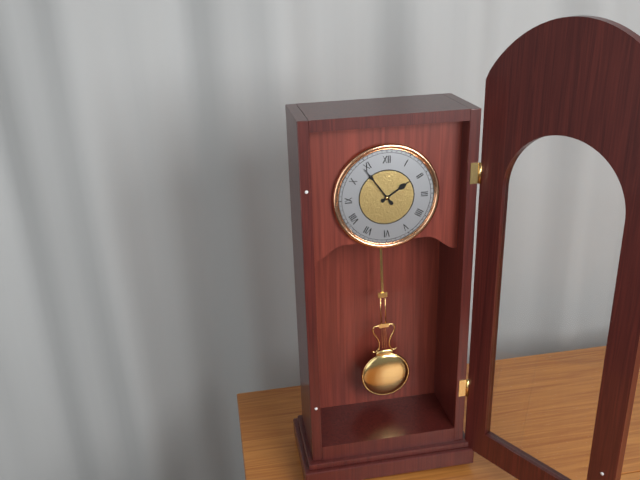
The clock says 1:54
